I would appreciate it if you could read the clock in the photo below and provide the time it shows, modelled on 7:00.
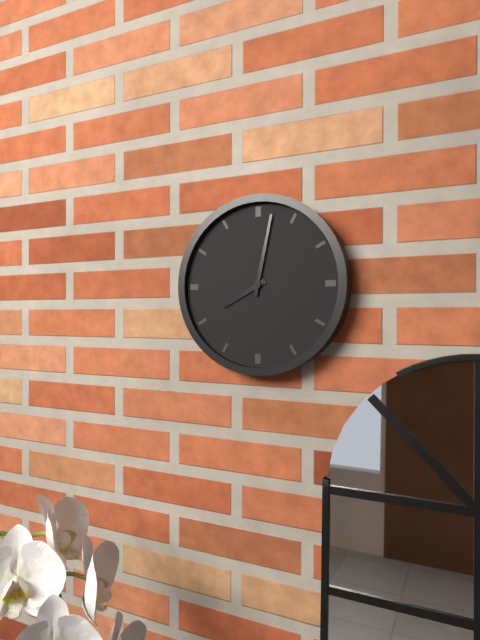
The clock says 8:02
